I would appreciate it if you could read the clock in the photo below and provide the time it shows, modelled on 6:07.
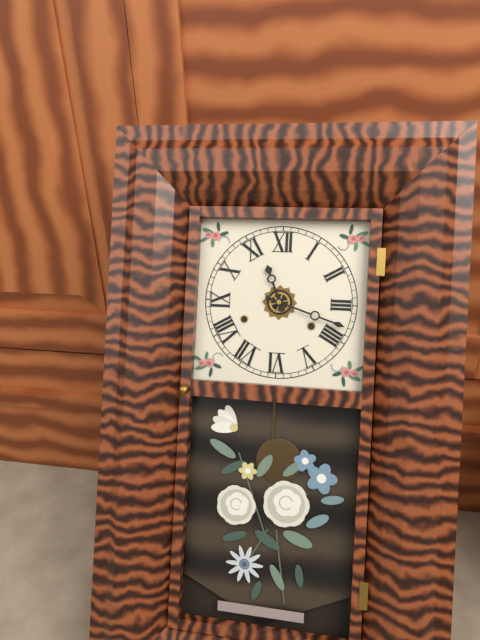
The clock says 11:18
